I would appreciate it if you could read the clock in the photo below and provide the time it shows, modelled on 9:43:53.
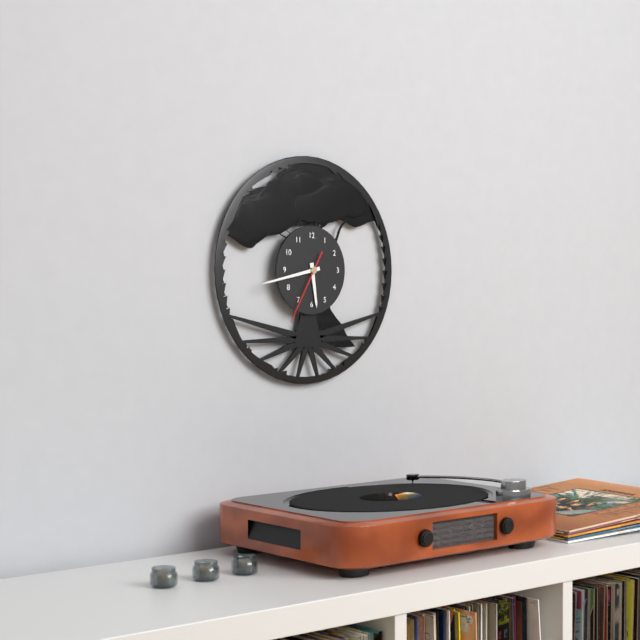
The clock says 5:43:35
